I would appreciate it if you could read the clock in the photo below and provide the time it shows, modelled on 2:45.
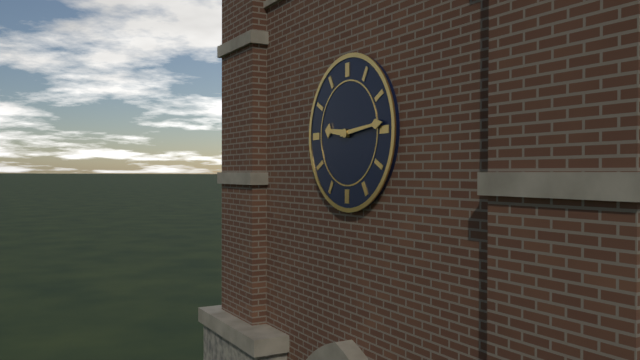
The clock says 9:14
